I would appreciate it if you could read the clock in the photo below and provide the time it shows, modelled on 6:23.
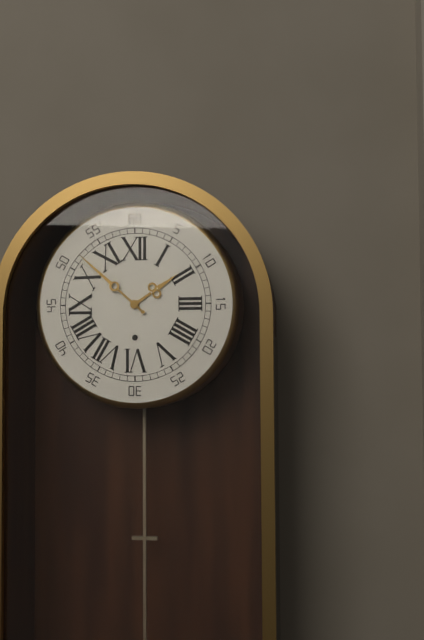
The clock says 1:52
